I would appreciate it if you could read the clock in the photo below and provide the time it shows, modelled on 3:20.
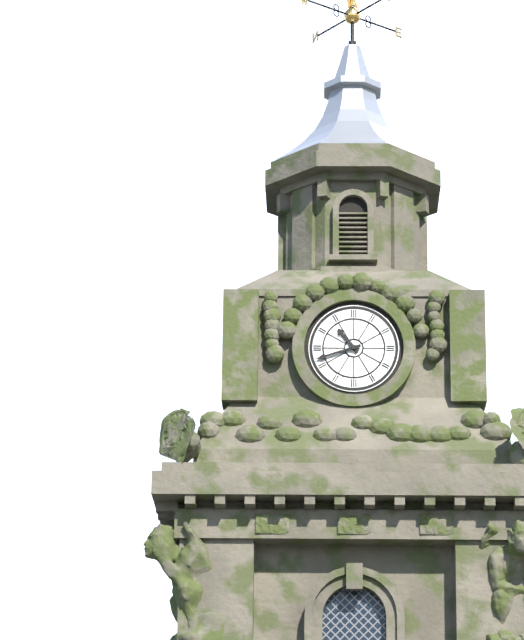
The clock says 10:42
